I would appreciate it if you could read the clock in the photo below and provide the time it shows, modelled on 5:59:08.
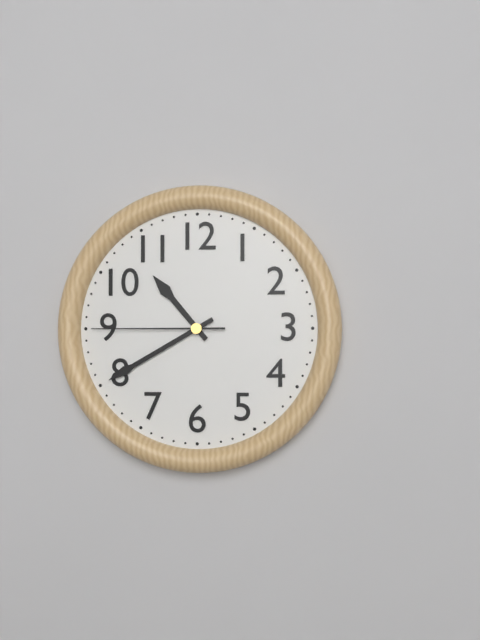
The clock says 10:40:45
